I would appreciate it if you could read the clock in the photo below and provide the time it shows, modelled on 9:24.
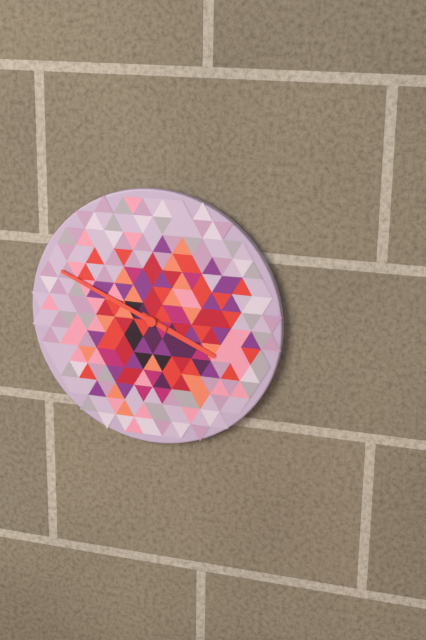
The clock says 3:49
